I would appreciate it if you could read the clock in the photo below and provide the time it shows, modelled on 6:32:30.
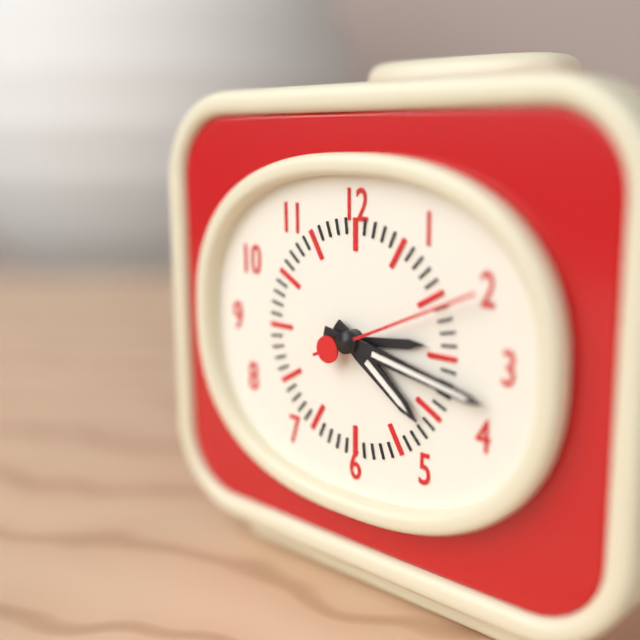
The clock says 4:17:11
